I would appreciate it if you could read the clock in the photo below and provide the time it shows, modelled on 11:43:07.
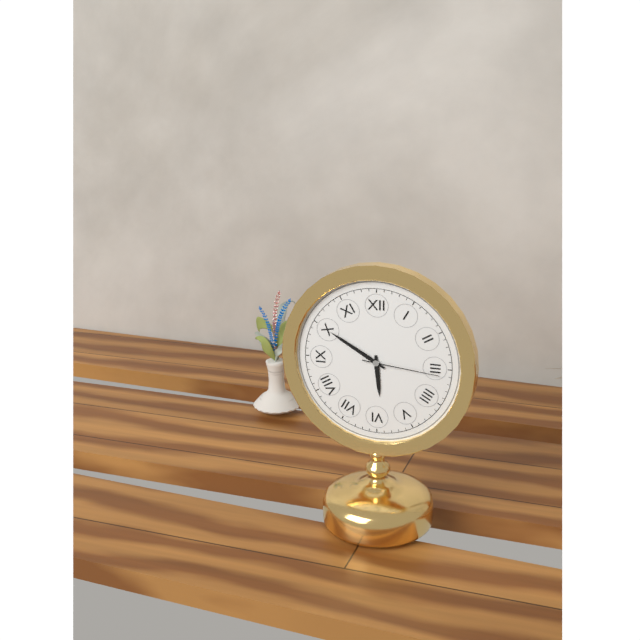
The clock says 5:50:16
